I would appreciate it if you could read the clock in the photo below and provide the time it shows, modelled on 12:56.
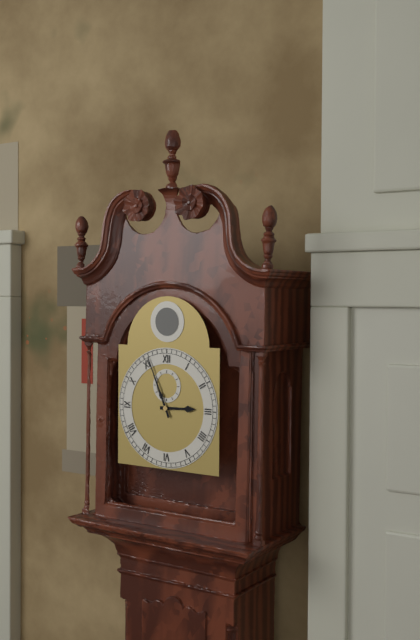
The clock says 2:56
